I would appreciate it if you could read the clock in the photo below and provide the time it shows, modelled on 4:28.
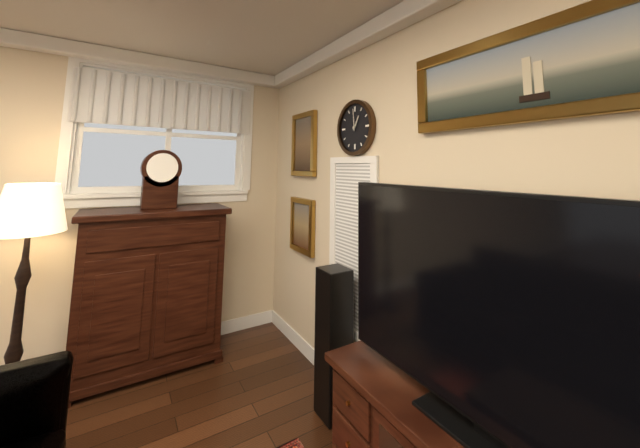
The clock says 12:59
